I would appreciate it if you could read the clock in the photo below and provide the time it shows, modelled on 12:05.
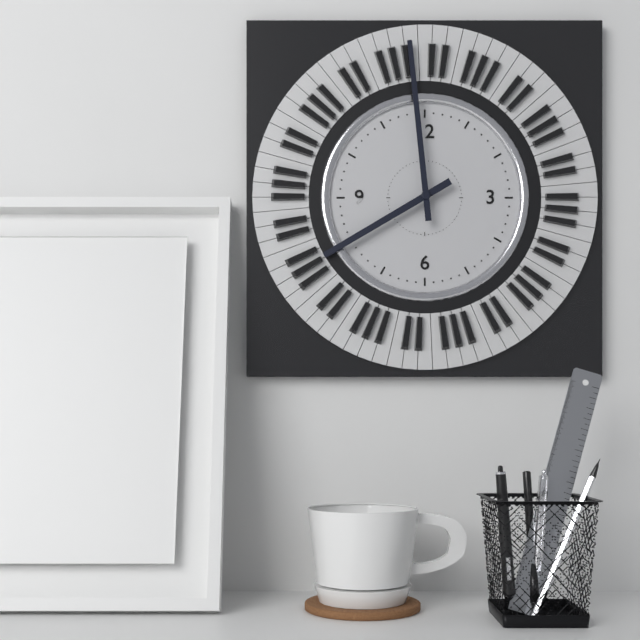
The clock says 7:59
